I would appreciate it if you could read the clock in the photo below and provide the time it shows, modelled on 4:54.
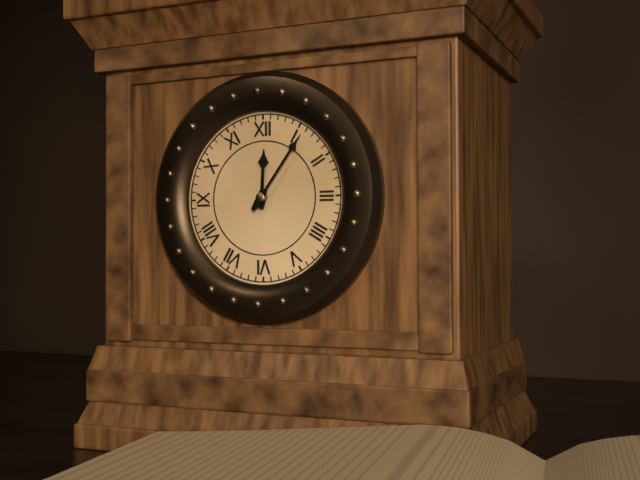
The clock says 12:06
